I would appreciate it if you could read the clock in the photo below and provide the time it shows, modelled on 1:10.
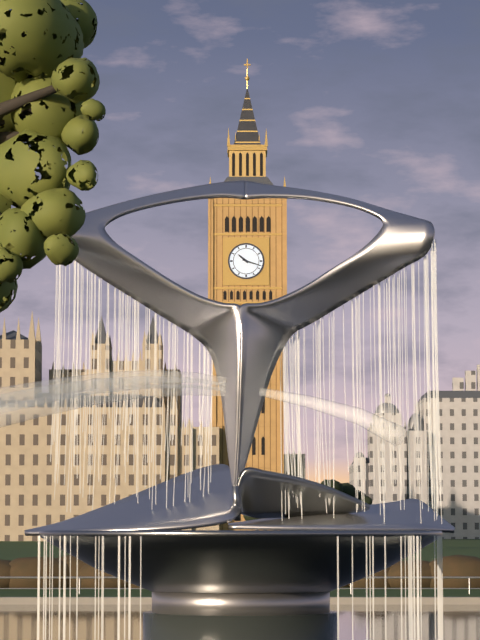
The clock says 10:18
